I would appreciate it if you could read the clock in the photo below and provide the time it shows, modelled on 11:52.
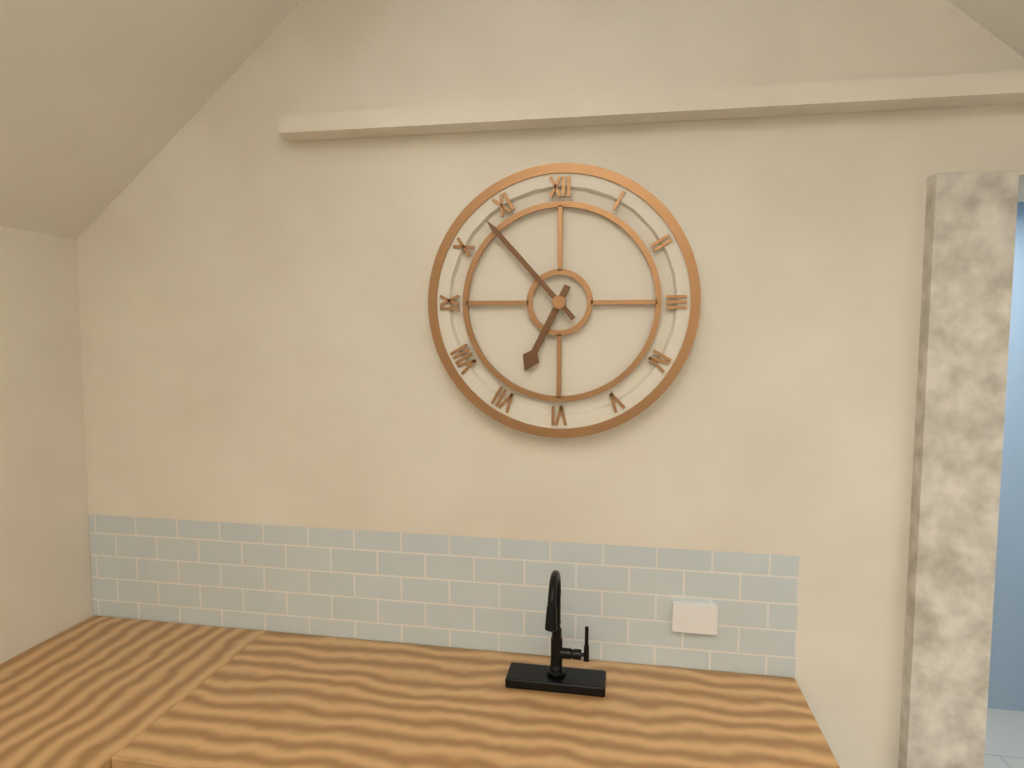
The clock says 6:53
